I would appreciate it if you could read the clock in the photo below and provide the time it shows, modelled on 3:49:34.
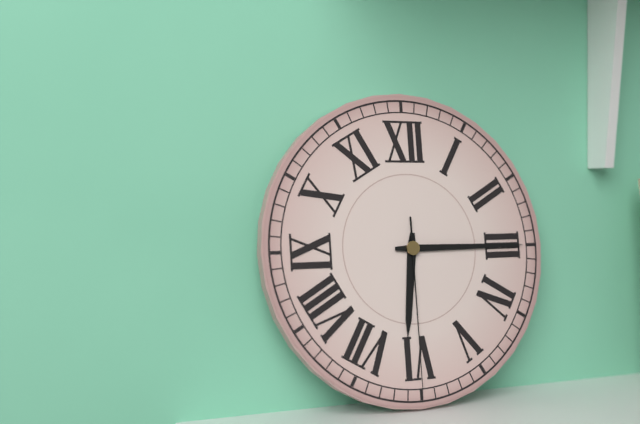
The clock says 6:15:30
